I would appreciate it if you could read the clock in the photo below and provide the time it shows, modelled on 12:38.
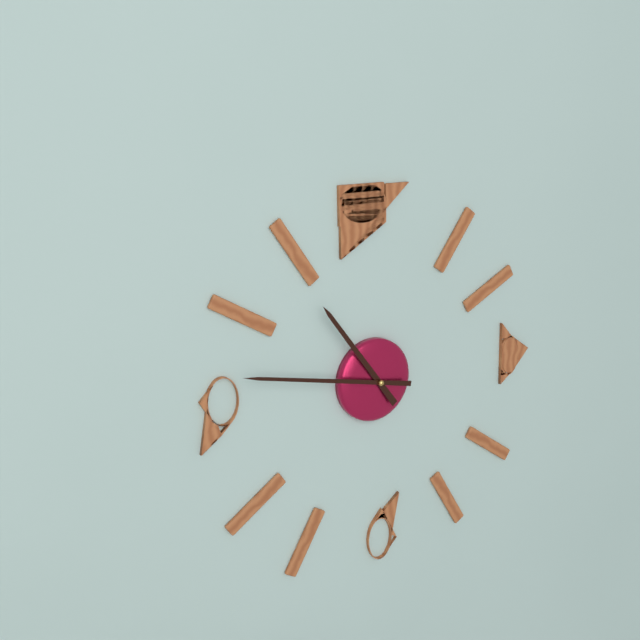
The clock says 10:47
